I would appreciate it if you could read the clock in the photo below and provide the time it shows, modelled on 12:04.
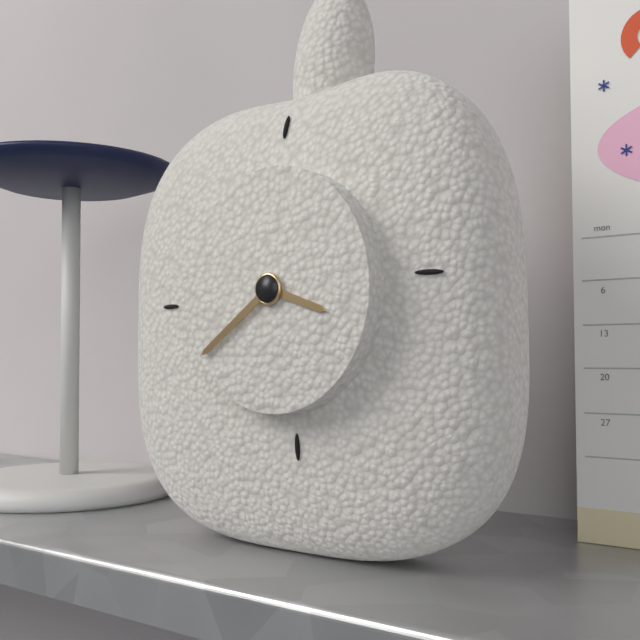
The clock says 3:39
